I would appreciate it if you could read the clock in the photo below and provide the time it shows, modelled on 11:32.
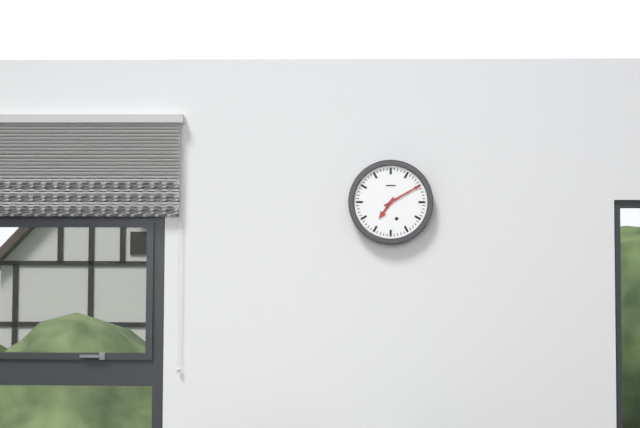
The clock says 7:10
